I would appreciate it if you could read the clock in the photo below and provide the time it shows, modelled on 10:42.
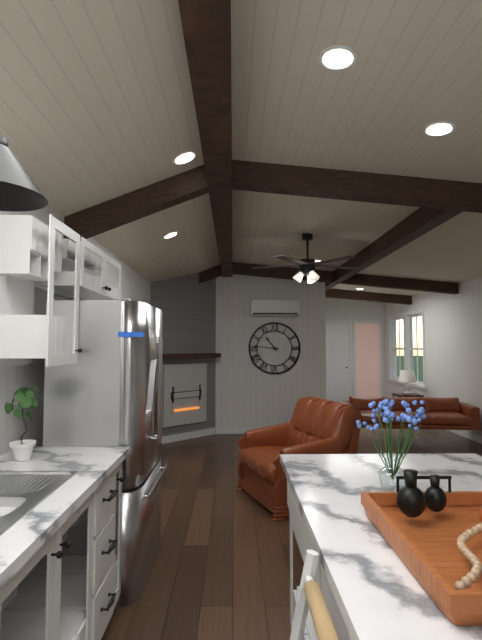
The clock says 10:46
